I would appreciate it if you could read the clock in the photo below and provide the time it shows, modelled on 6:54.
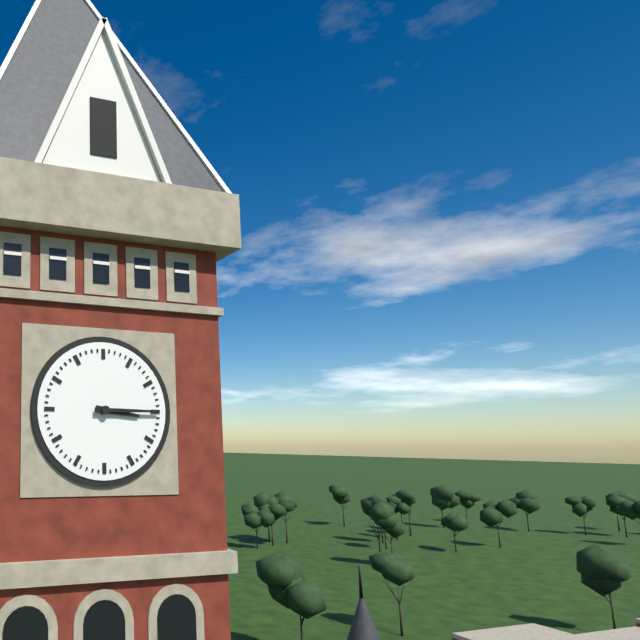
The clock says 3:15
